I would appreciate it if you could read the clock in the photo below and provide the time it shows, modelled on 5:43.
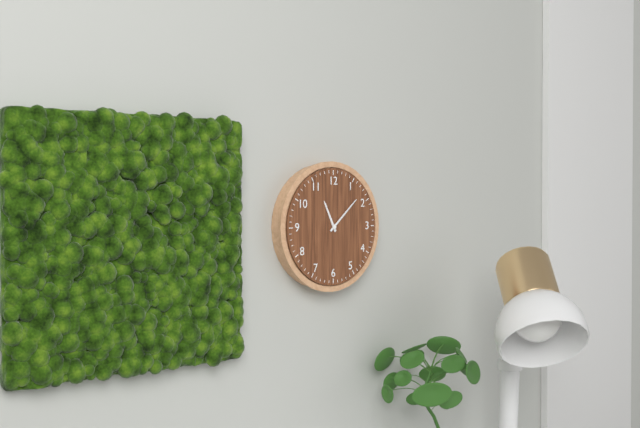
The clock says 11:08
